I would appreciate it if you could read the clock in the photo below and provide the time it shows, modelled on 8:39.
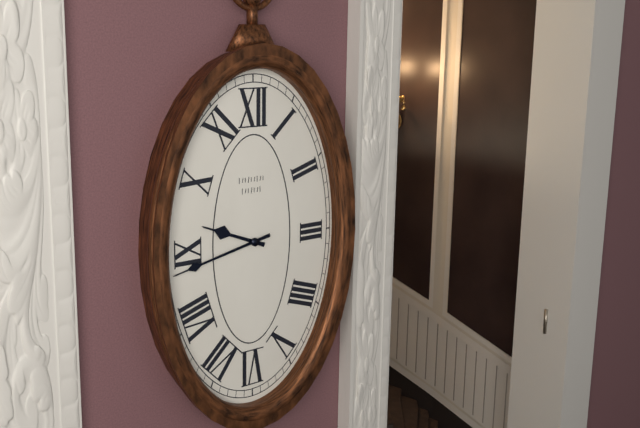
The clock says 9:43
